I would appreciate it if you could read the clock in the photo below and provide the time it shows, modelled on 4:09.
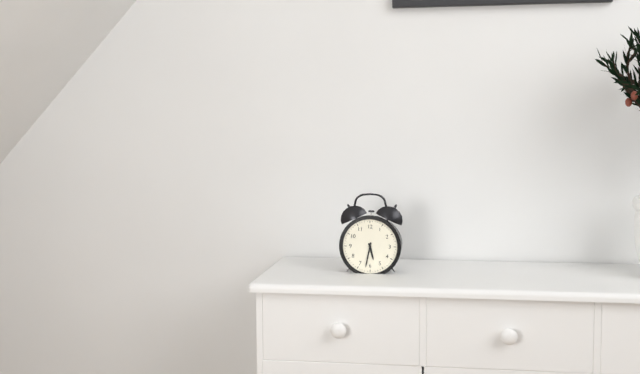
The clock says 5:32
